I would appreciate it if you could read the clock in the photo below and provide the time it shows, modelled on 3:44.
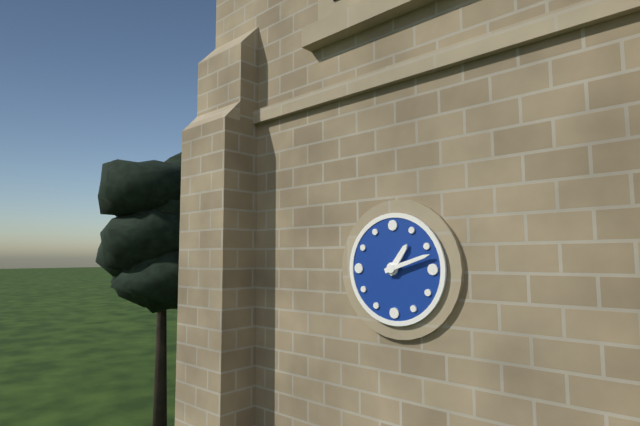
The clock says 1:12
